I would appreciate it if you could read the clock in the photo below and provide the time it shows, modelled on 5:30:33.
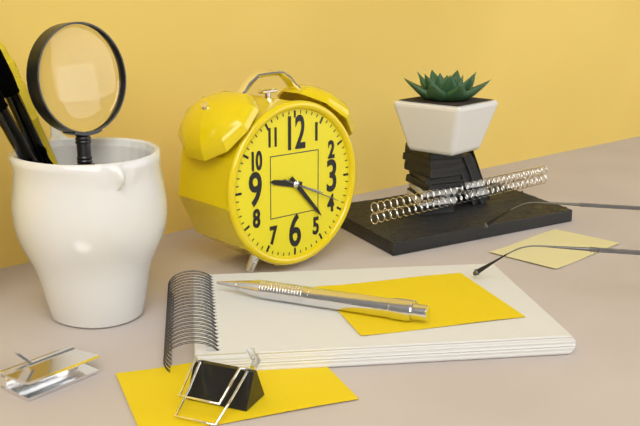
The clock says 9:23:19
